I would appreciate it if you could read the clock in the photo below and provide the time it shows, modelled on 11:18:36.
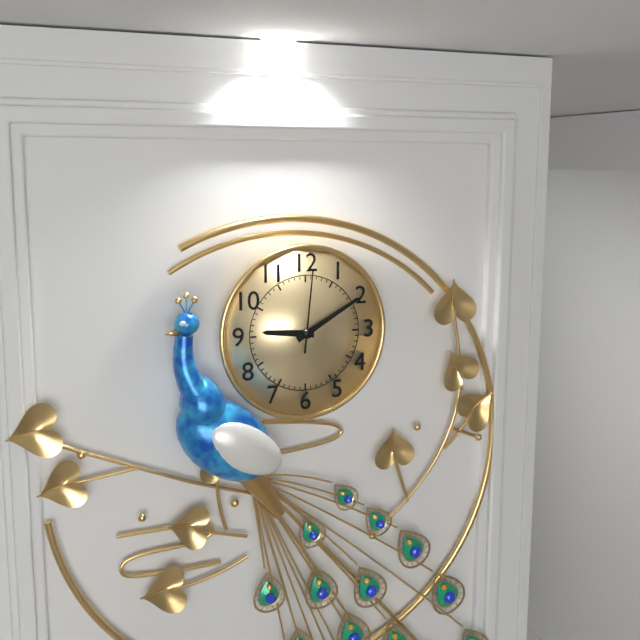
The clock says 9:10:01
